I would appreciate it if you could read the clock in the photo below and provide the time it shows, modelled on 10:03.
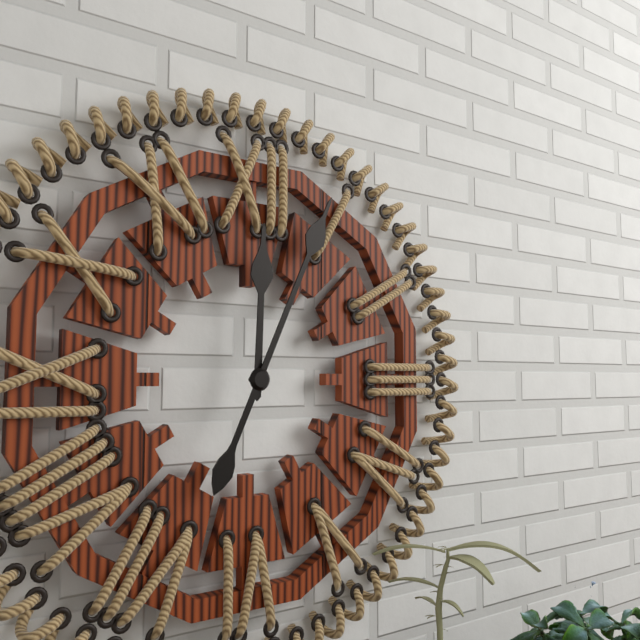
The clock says 12:04
